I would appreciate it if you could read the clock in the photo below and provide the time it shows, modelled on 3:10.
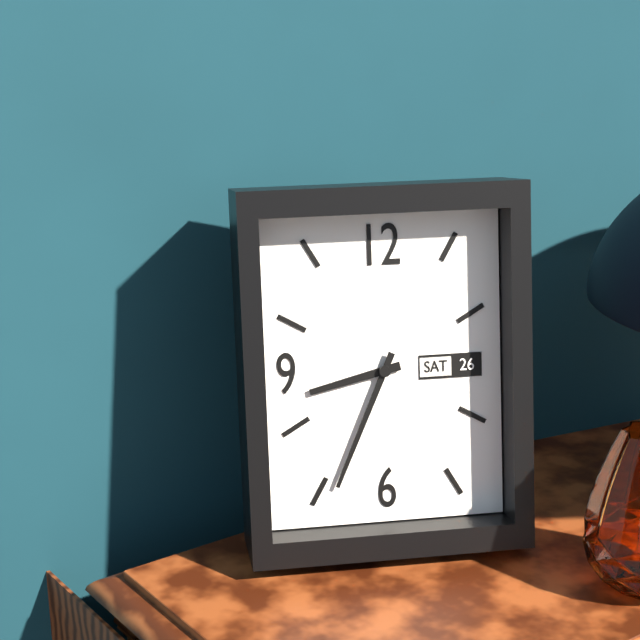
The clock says 8:34
